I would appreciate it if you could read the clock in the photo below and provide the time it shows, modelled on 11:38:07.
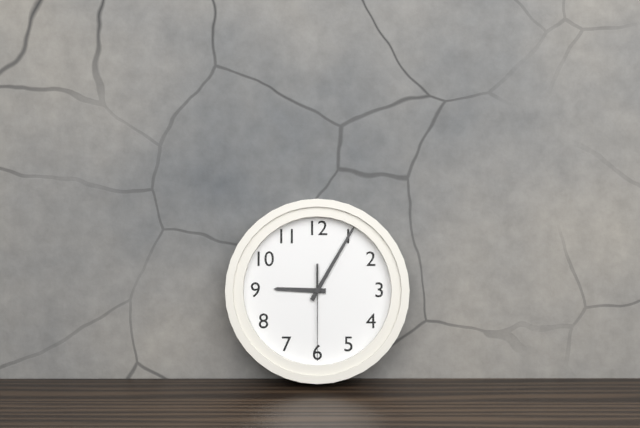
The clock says 9:05:30
